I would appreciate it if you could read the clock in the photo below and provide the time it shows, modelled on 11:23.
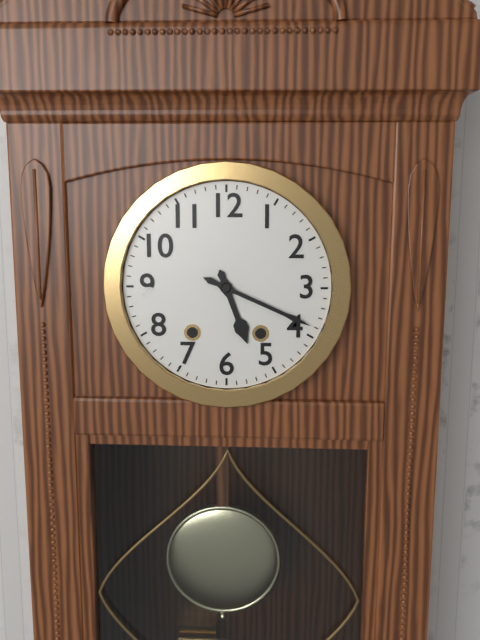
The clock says 5:19
